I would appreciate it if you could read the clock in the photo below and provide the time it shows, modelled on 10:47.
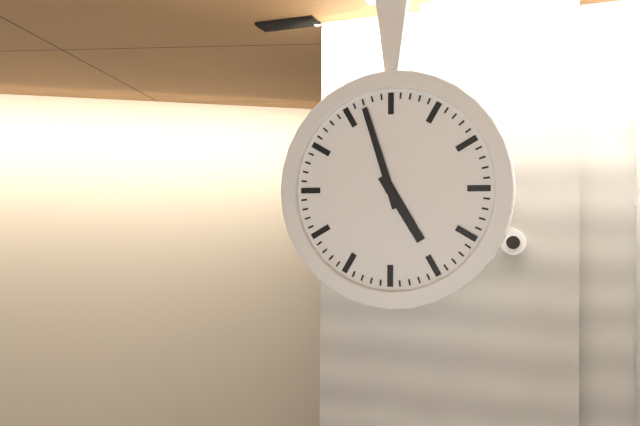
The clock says 4:57
